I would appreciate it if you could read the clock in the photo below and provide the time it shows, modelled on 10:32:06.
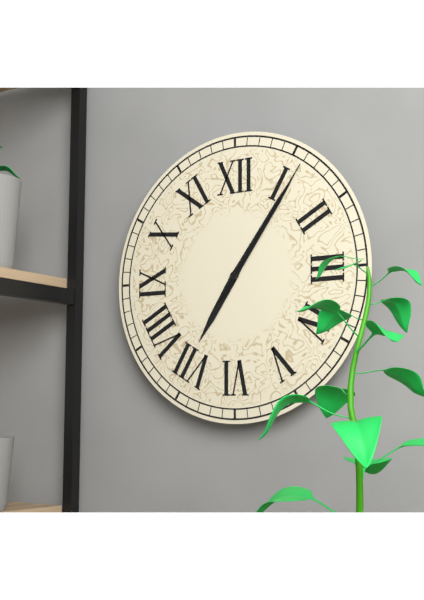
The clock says 7:06:06
